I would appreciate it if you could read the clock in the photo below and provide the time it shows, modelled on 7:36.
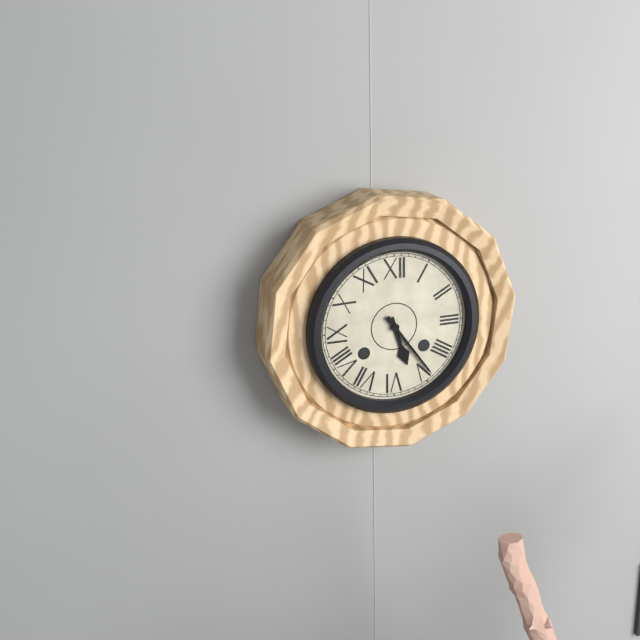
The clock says 5:24
